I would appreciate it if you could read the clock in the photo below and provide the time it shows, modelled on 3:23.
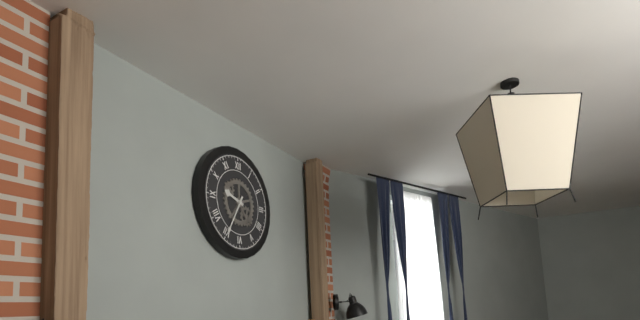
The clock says 9:35
